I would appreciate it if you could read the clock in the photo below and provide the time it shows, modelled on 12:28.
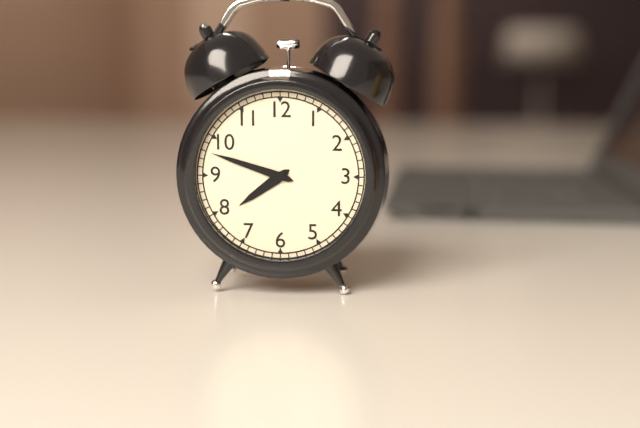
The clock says 7:48
